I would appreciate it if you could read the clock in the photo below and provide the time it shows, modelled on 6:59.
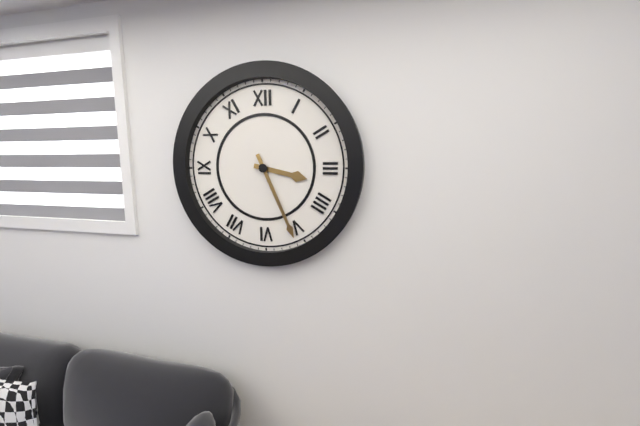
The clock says 3:26
